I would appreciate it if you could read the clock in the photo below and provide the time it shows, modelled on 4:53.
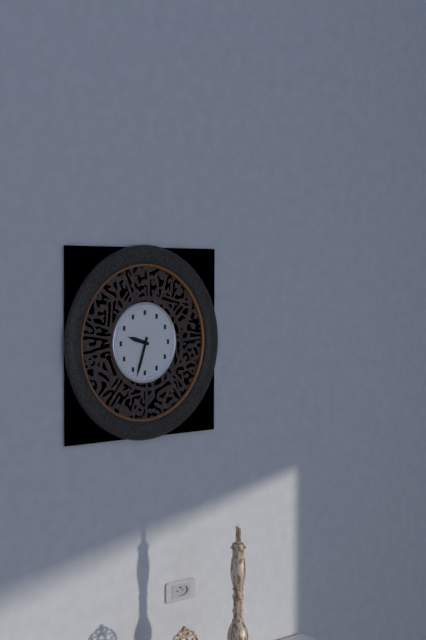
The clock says 9:33
